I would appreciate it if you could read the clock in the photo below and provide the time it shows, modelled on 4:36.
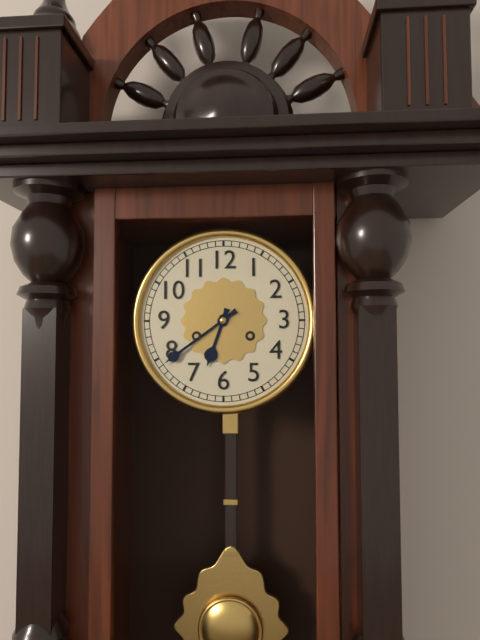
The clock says 6:39
